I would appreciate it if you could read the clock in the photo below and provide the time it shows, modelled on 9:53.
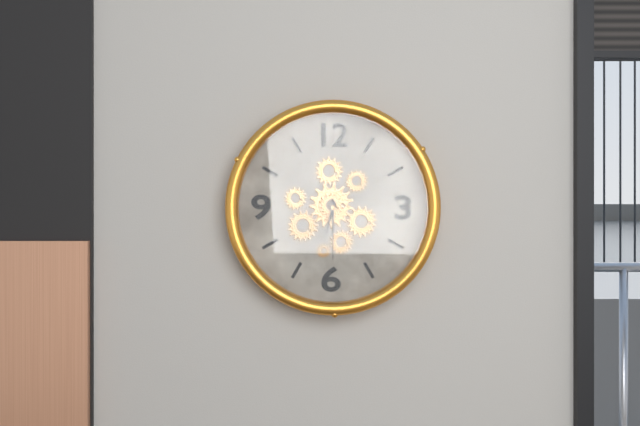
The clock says 6:30
